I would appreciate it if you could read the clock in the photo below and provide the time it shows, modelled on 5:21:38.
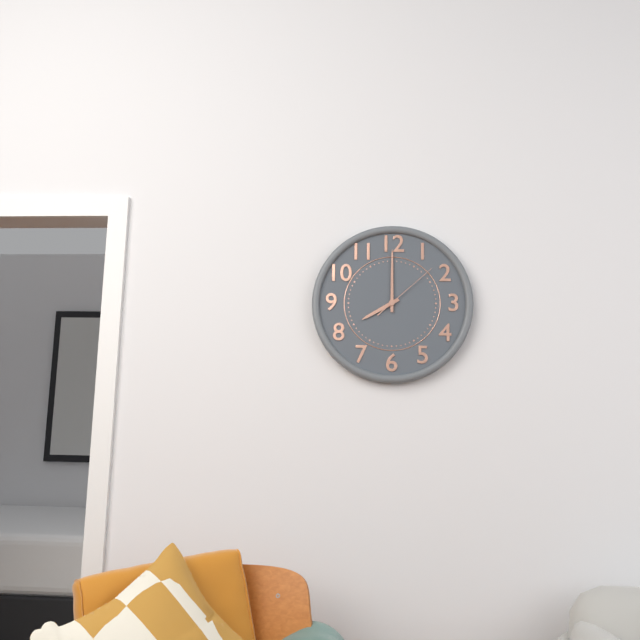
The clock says 8:00:08
